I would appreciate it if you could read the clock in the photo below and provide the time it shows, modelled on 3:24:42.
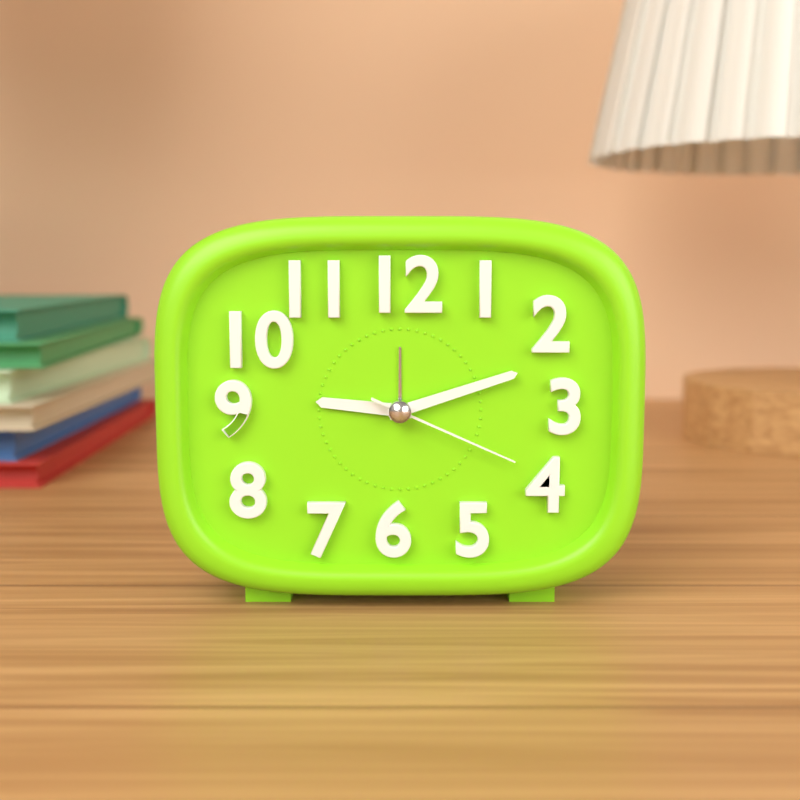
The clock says 9:12:19
